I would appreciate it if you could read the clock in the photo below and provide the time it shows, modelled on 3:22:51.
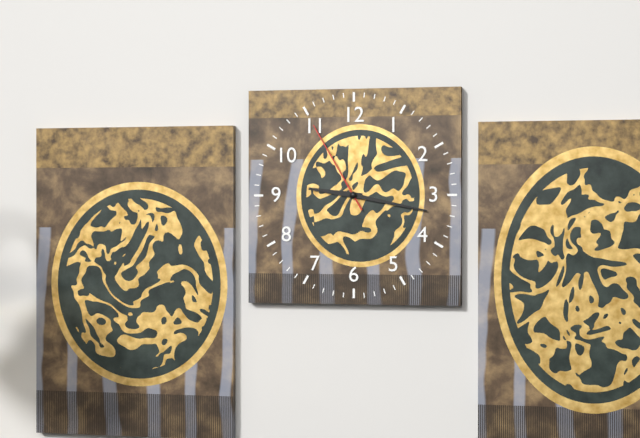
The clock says 9:17:55
